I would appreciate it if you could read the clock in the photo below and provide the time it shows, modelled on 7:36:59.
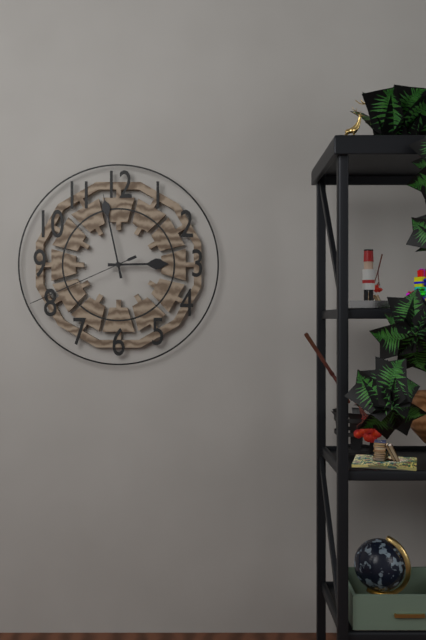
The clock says 2:58:41
